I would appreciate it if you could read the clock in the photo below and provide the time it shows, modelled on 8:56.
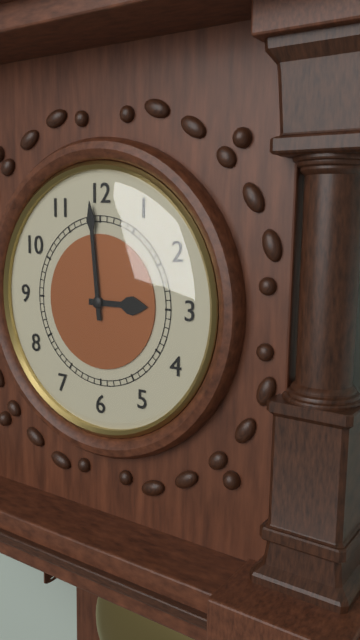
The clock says 2:59
